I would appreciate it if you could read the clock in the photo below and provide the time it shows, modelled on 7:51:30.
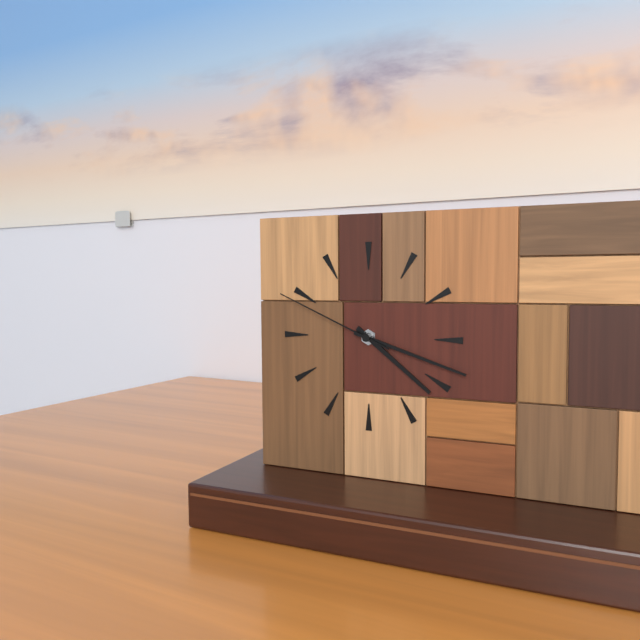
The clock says 4:18:49
